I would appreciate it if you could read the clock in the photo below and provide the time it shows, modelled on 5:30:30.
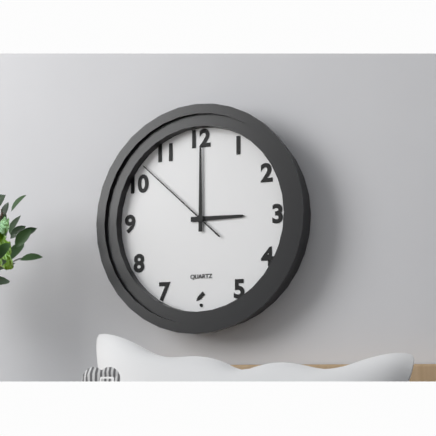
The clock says 3:00:52
